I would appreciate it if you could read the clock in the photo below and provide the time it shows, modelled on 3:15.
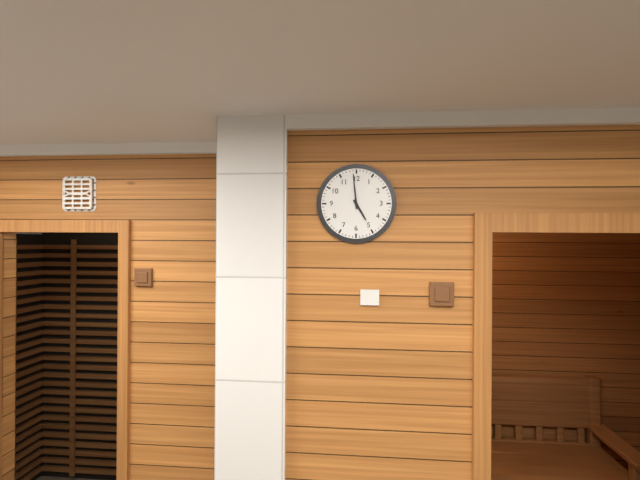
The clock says 4:59
